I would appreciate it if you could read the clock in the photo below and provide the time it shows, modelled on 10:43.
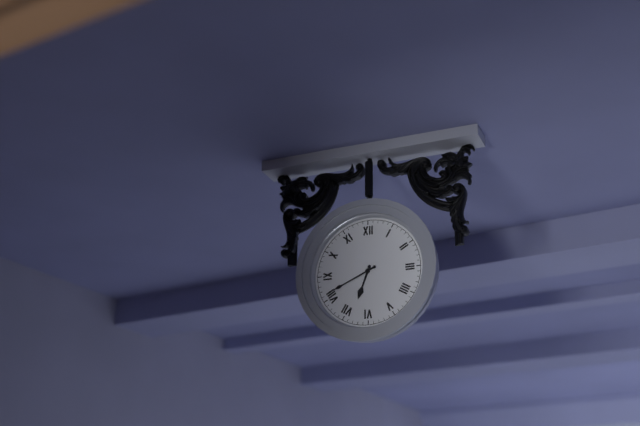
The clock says 6:41
